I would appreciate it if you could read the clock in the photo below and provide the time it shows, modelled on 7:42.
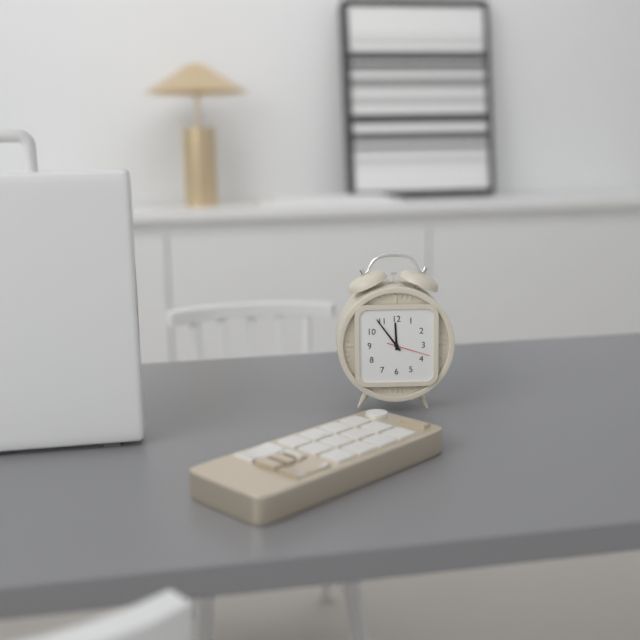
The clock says 11:54
